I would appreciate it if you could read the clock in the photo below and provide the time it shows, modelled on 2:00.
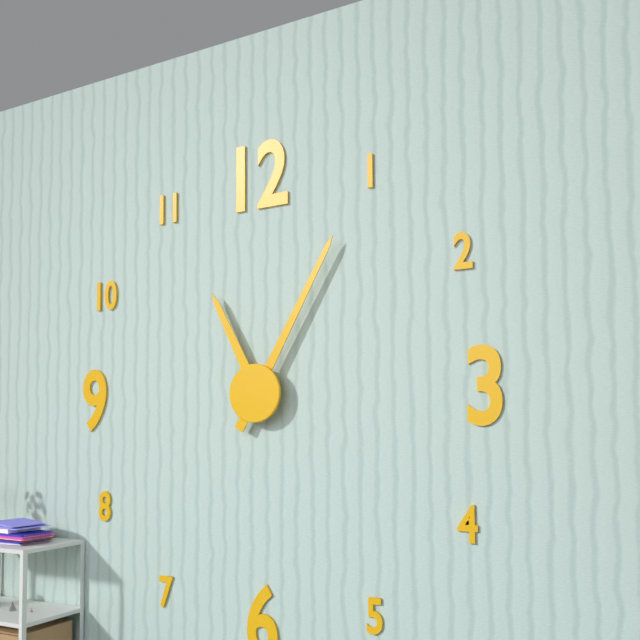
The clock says 11:05
